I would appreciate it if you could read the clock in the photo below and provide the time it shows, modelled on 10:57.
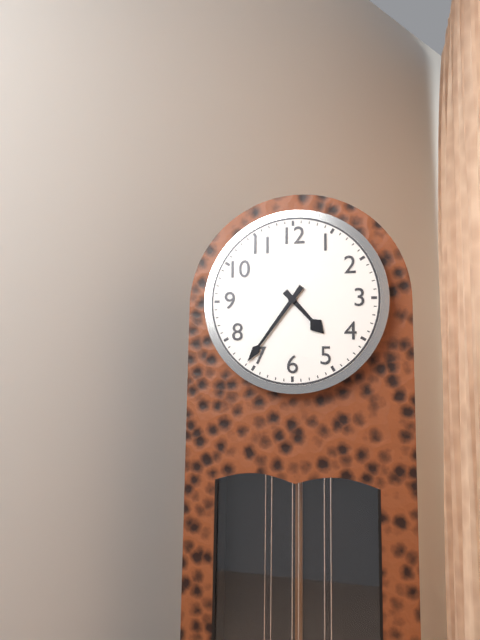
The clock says 4:36
